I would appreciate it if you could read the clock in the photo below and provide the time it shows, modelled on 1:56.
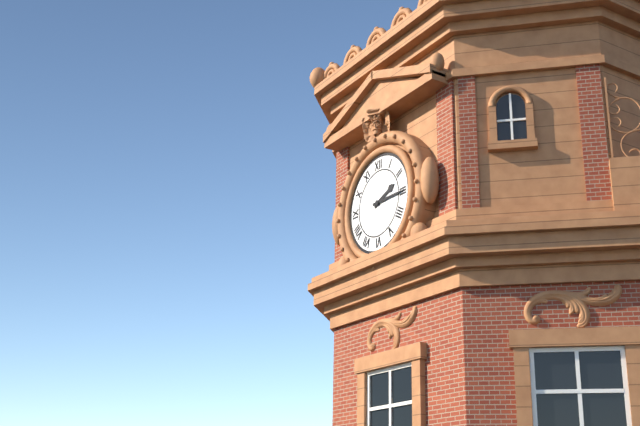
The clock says 2:15
